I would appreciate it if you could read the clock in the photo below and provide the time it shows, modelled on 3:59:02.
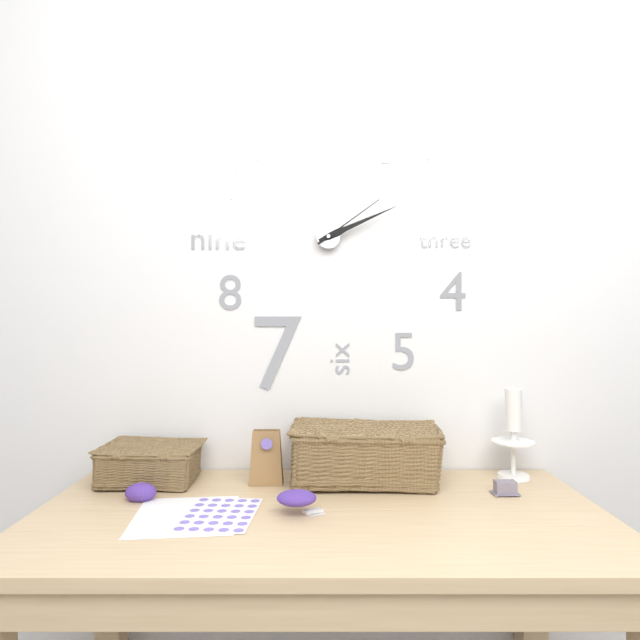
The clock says 2:11:09
